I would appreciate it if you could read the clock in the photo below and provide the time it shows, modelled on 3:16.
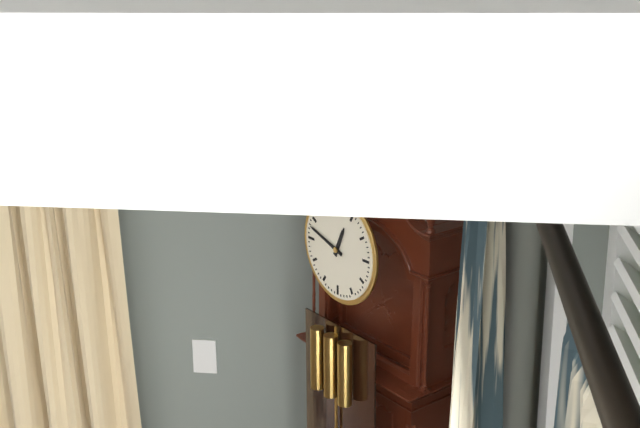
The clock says 12:48
